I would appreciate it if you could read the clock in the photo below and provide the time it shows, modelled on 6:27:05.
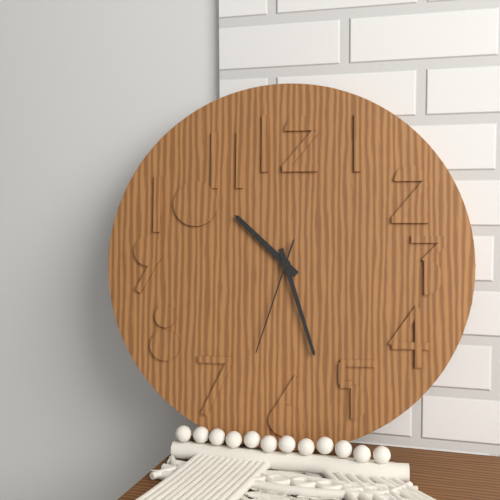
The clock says 10:27:33
